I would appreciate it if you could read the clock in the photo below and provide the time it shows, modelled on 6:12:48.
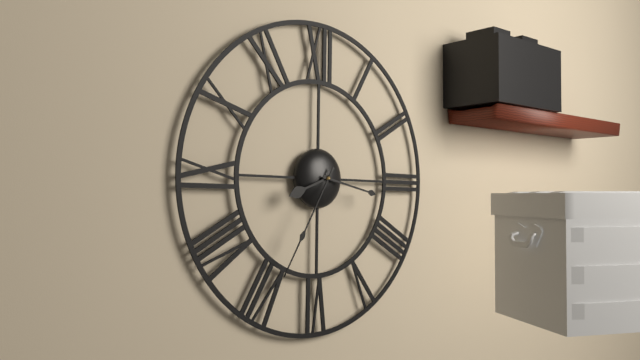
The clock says 8:17:35
